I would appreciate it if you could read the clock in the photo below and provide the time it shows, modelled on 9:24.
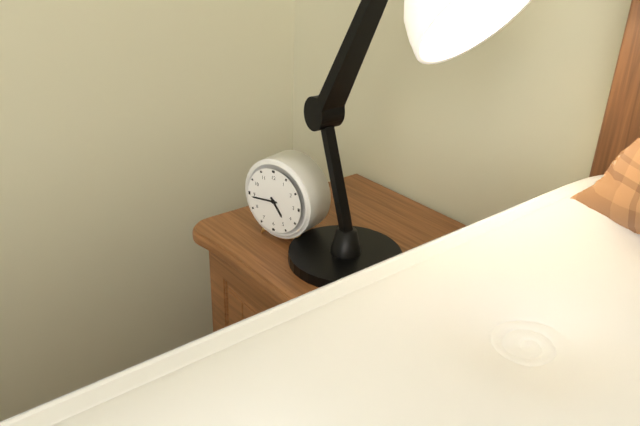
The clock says 4:44
